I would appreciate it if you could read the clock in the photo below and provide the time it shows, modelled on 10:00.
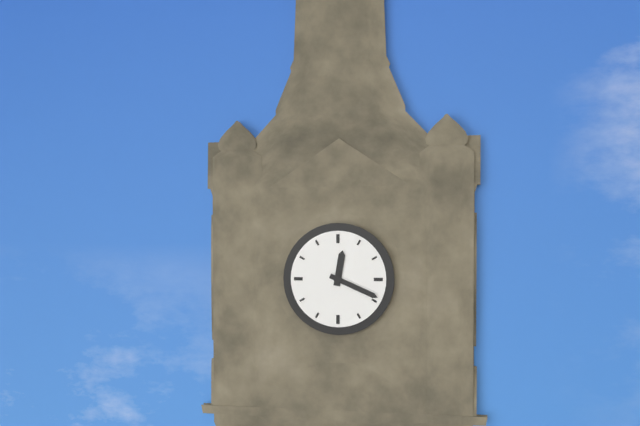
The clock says 12:19
